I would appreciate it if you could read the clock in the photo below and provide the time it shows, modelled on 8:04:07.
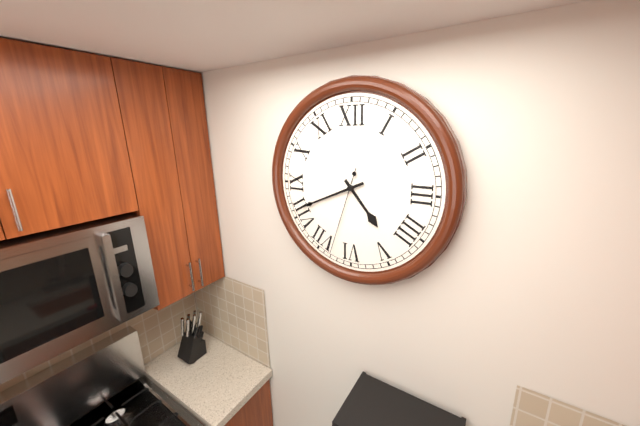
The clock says 4:41:33
